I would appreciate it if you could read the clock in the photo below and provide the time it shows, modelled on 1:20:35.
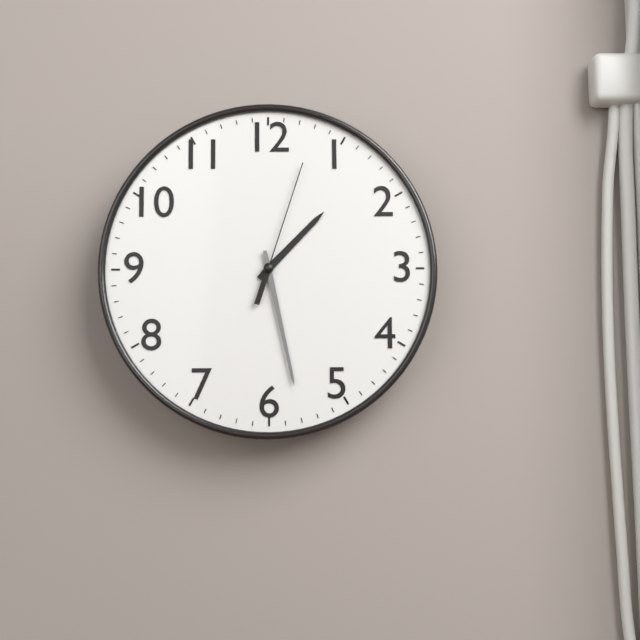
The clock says 1:28:03
